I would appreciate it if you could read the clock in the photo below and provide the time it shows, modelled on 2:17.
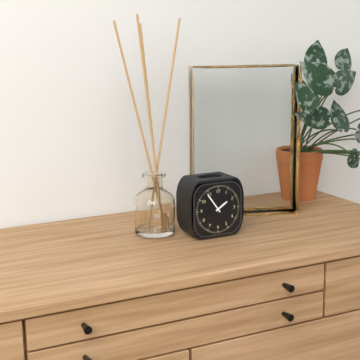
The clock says 1:54
